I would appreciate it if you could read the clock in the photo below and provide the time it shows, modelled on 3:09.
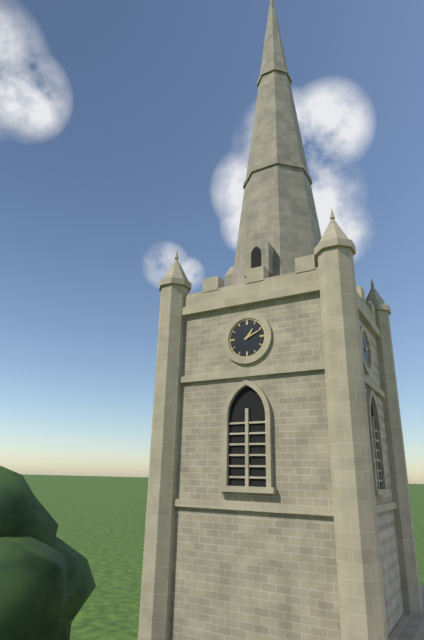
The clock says 1:11
